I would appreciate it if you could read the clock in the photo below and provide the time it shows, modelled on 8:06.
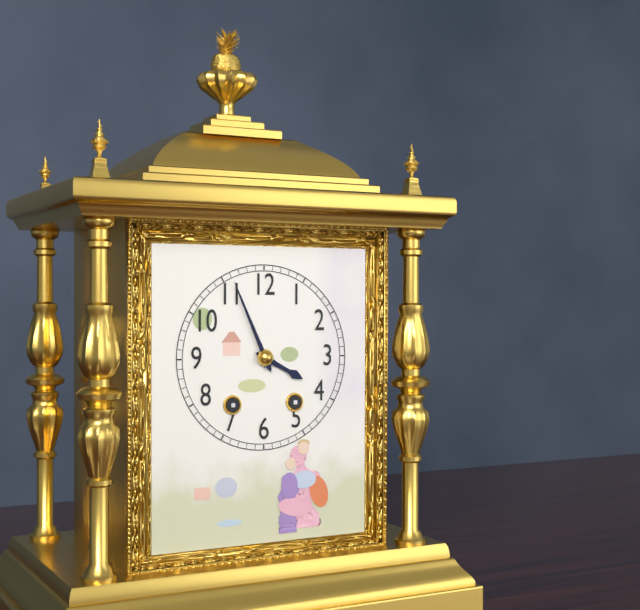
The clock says 3:56
